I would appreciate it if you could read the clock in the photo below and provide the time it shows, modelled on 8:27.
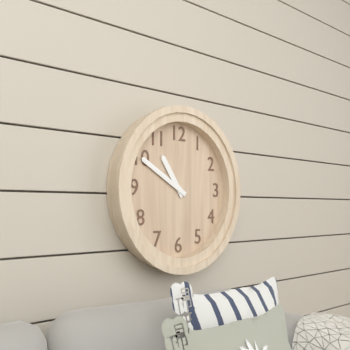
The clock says 10:50
